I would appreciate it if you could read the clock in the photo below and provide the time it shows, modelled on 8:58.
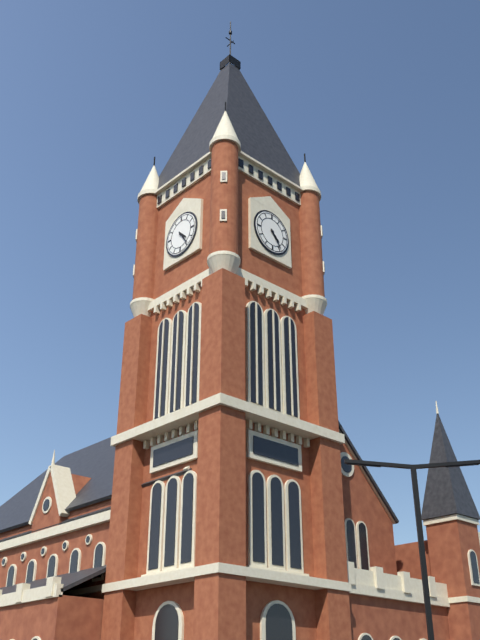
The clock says 4:24
